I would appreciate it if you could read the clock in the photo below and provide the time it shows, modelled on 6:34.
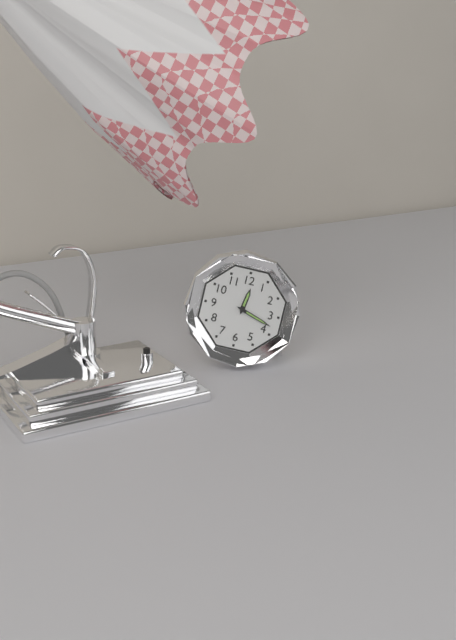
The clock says 12:18
